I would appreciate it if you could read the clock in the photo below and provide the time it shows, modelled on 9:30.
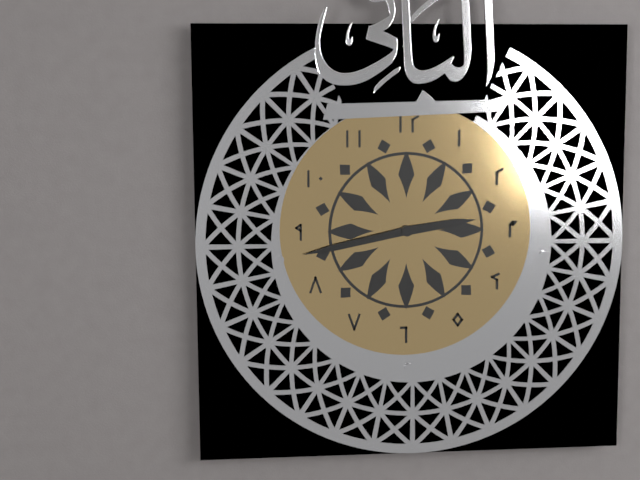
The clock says 2:43
